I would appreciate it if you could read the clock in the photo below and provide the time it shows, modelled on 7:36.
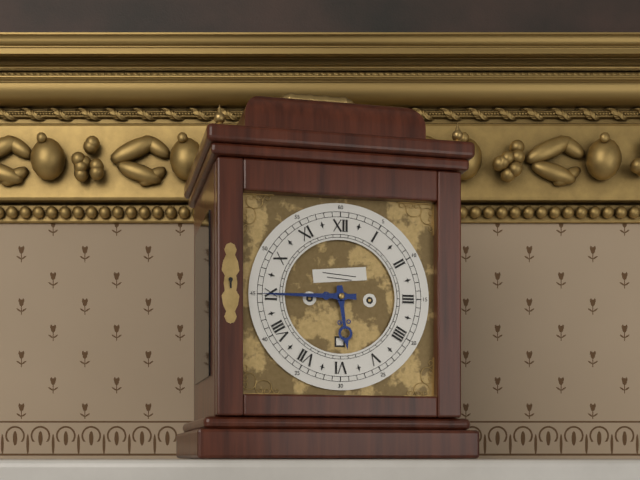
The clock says 5:45
